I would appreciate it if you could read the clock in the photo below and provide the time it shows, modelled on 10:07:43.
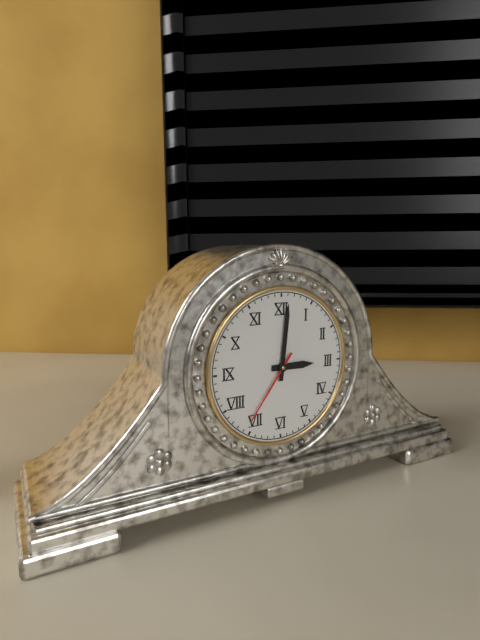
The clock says 3:01:36
